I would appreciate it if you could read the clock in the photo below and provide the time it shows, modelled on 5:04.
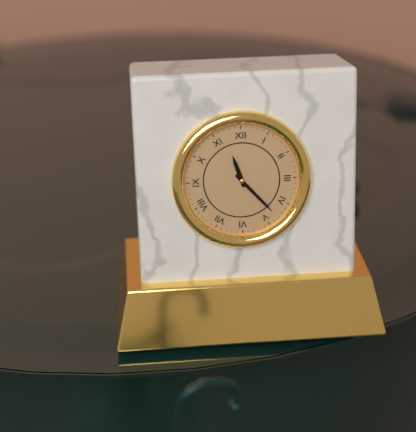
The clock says 11:23
